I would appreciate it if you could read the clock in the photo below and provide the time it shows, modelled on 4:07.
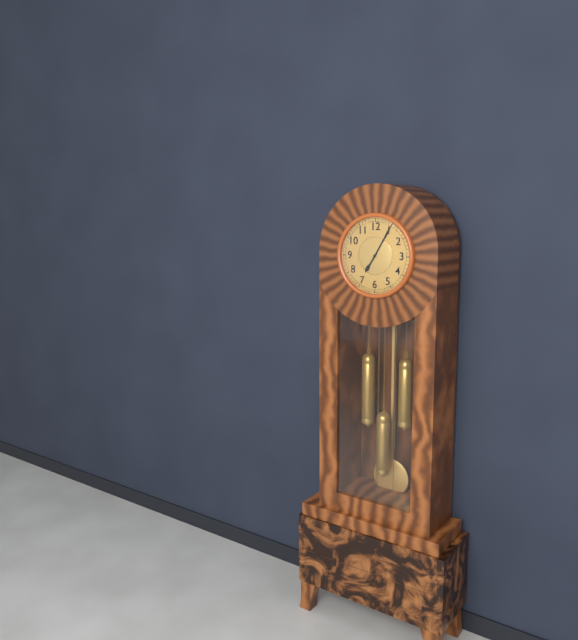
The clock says 7:05
